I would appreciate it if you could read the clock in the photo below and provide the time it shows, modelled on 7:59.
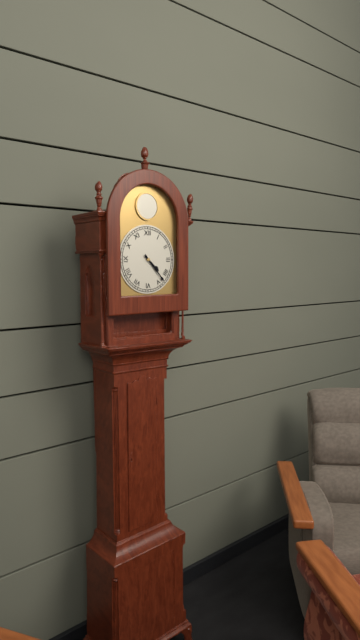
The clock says 4:23
